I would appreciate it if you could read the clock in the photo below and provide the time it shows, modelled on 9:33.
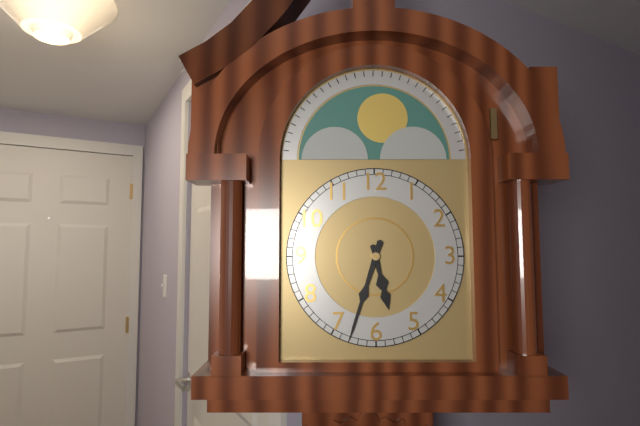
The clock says 5:33
